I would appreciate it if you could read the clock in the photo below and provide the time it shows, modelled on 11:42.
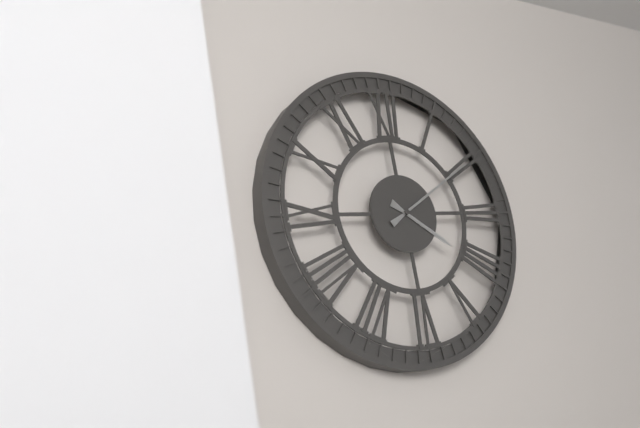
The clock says 4:10
